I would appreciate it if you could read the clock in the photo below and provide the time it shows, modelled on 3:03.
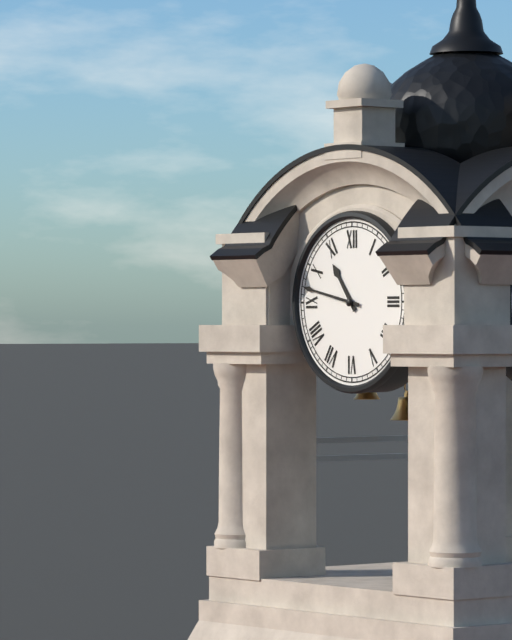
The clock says 10:47
